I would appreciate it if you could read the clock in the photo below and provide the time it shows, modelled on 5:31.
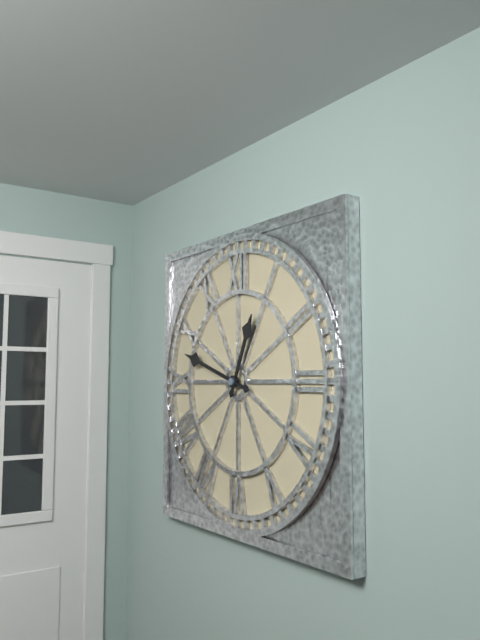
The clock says 12:48
